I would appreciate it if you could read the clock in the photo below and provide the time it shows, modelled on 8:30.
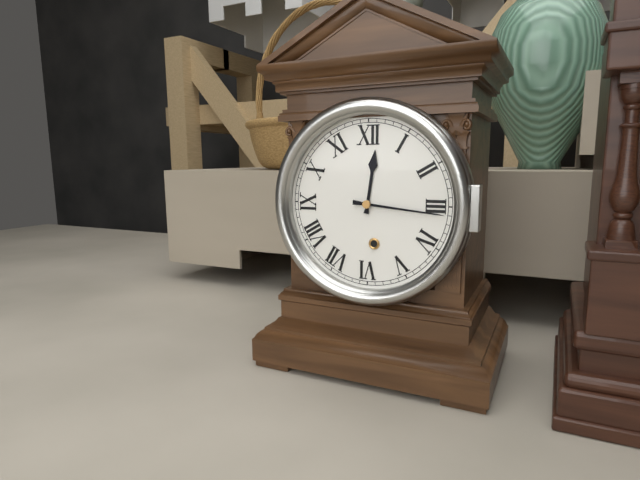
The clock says 12:16
